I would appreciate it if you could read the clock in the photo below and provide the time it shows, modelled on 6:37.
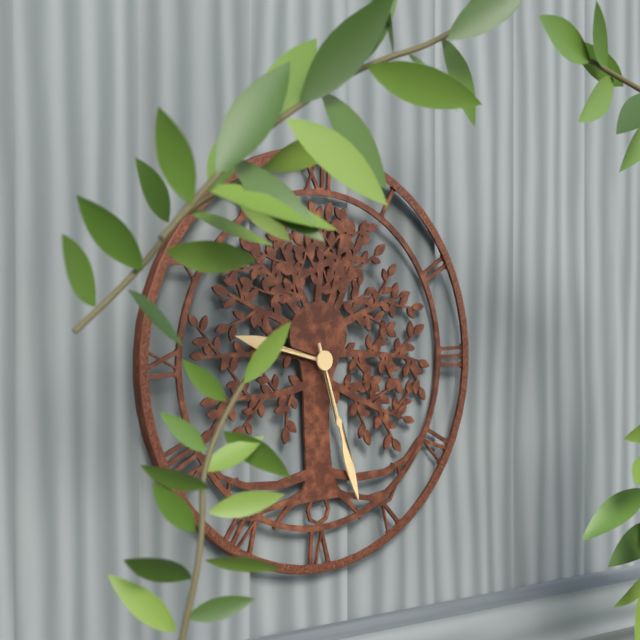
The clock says 9:27
